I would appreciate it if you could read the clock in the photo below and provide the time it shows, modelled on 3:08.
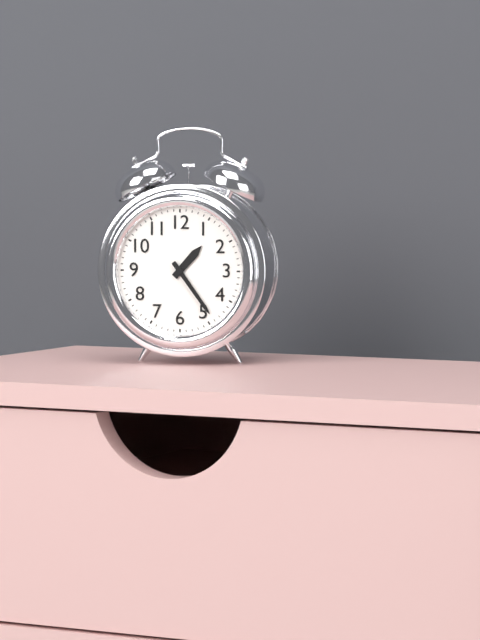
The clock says 1:24
